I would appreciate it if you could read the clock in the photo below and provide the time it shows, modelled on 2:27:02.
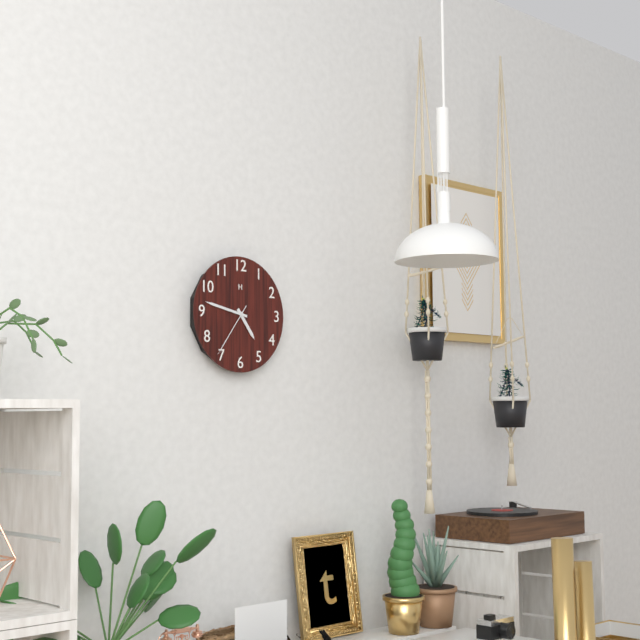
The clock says 4:47:36
